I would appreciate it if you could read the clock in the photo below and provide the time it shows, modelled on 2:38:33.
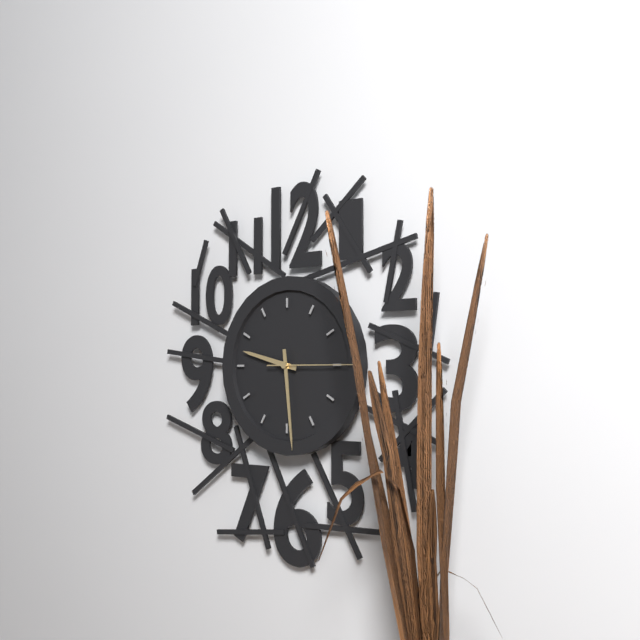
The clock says 9:29:15
